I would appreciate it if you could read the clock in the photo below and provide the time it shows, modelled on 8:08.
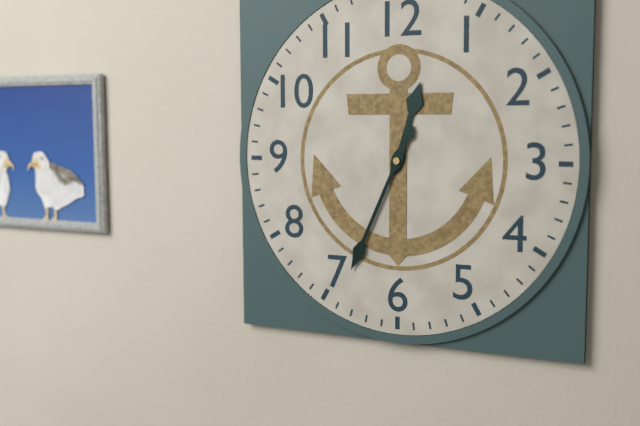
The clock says 12:34
